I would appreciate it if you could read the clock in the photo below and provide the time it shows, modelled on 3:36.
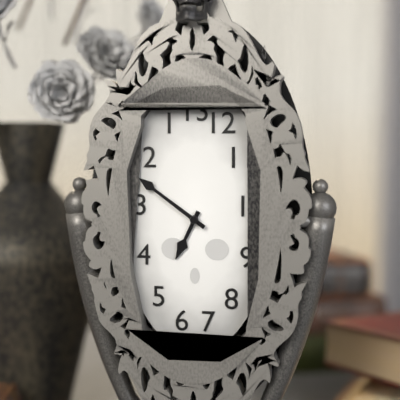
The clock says 6:51
